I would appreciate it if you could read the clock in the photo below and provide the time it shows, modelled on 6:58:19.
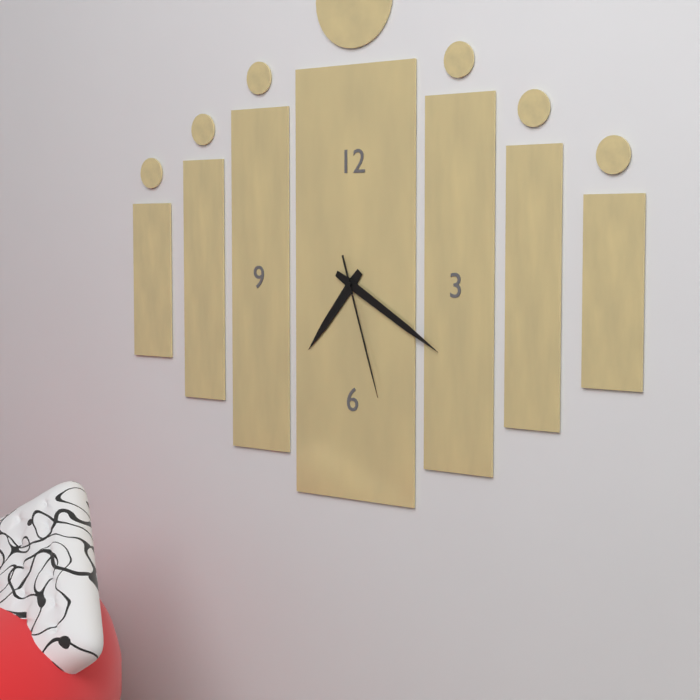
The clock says 7:20:27
